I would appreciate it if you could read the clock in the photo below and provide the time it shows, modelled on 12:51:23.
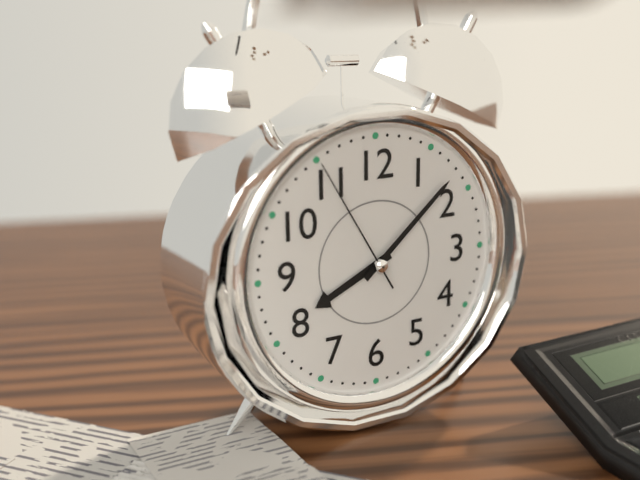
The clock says 8:08:55
